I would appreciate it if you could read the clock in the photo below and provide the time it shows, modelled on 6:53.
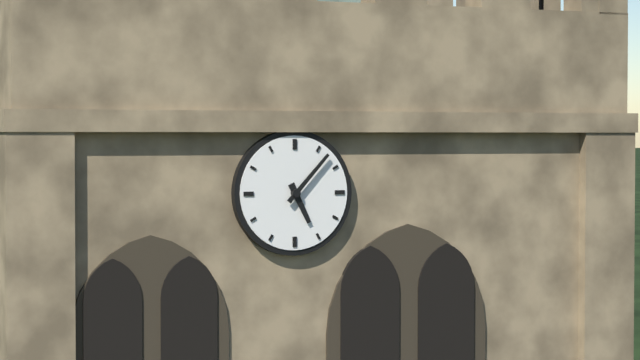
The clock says 5:07
